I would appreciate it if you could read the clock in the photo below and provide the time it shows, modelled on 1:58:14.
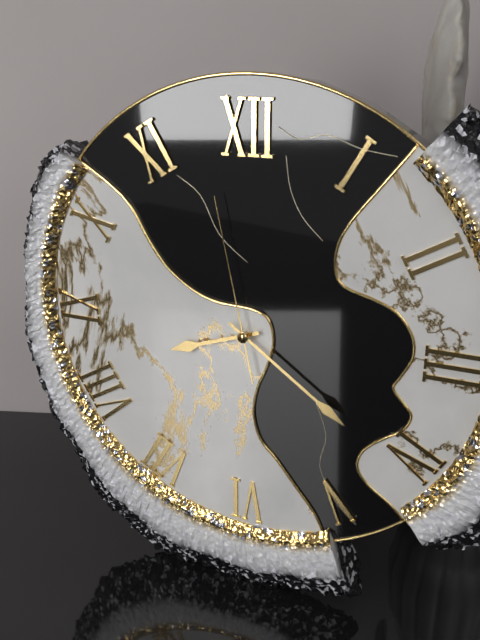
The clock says 8:21:58
